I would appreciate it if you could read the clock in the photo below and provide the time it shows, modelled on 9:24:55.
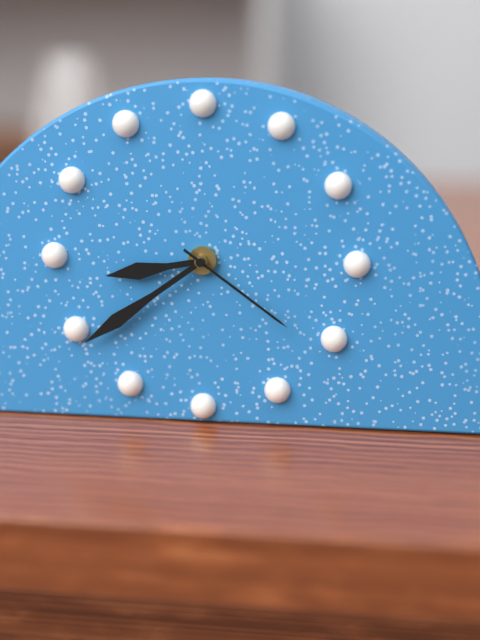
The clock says 8:39:21
